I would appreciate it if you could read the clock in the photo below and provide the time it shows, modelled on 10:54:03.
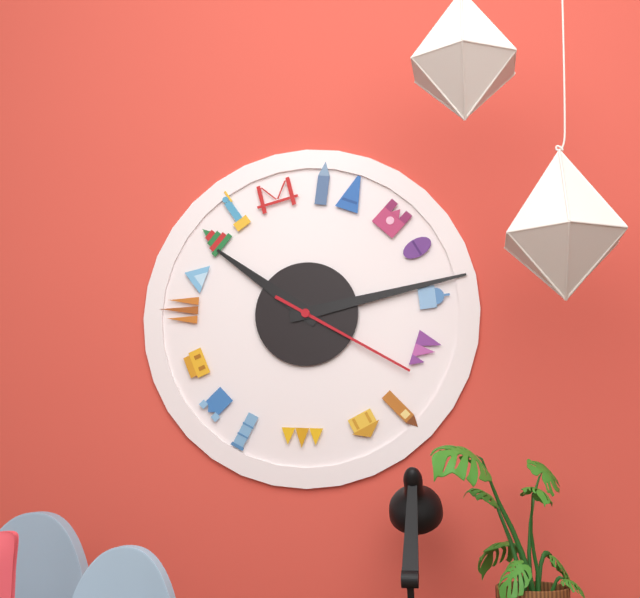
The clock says 10:13:20
